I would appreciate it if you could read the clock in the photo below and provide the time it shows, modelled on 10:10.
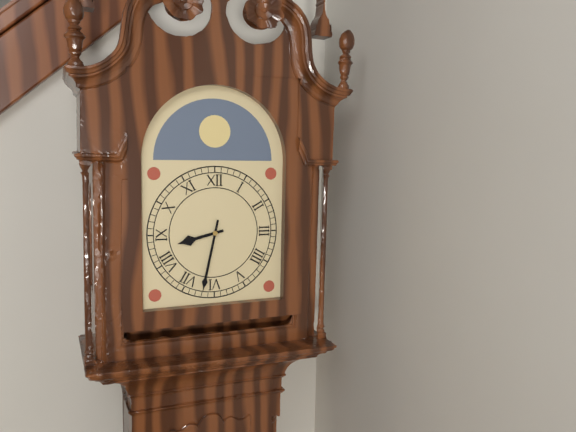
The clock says 8:32
